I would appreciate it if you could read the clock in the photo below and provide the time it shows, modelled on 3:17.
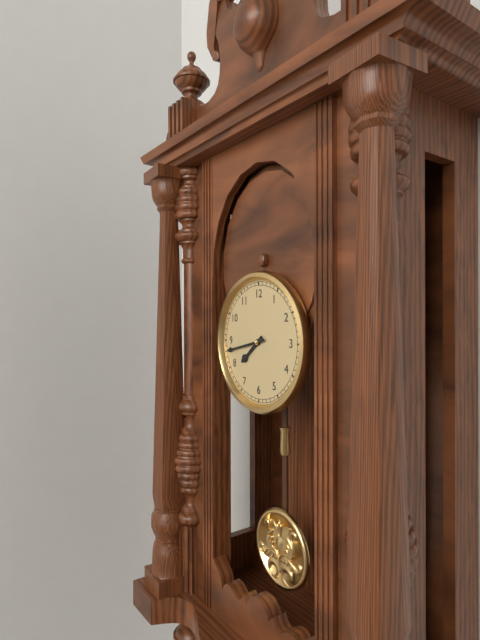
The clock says 7:43
